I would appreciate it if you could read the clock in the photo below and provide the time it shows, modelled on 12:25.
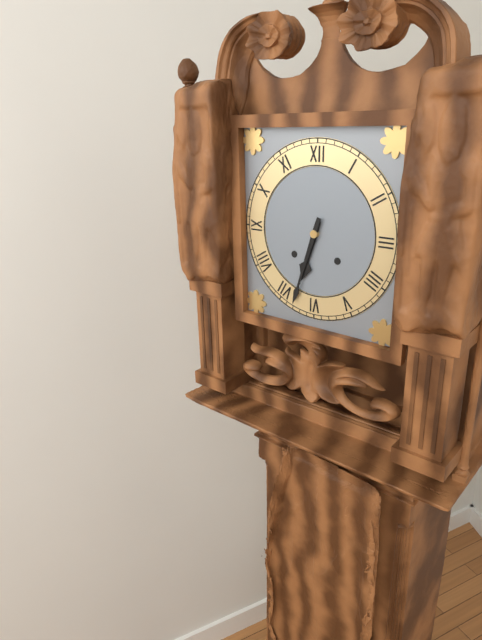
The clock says 6:33
